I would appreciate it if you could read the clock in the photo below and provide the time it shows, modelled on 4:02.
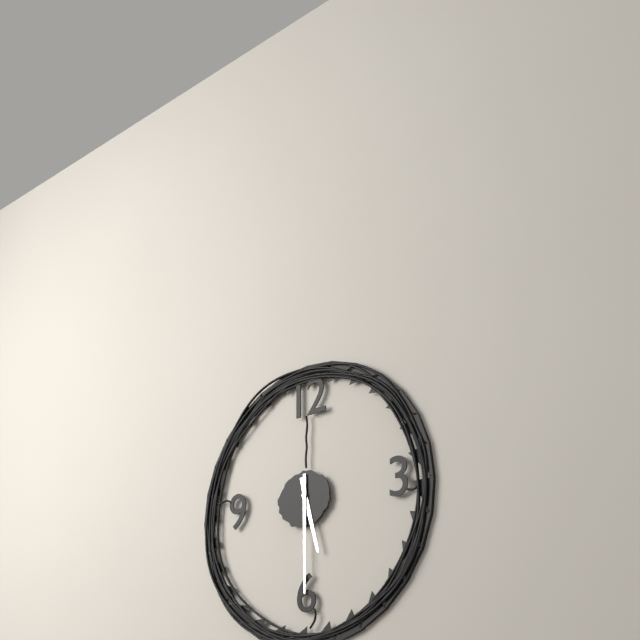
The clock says 5:30
